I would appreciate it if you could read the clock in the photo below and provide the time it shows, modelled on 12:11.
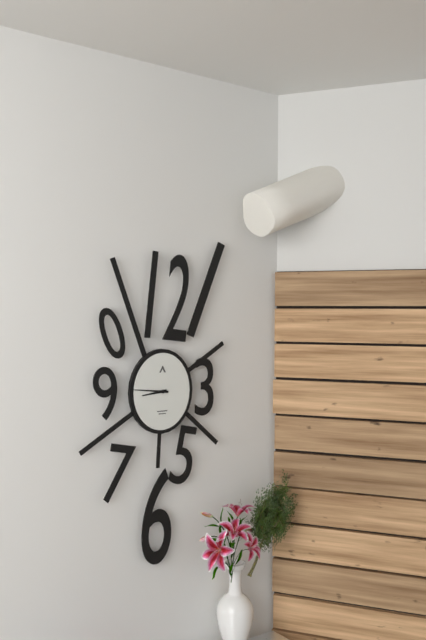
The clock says 8:46
